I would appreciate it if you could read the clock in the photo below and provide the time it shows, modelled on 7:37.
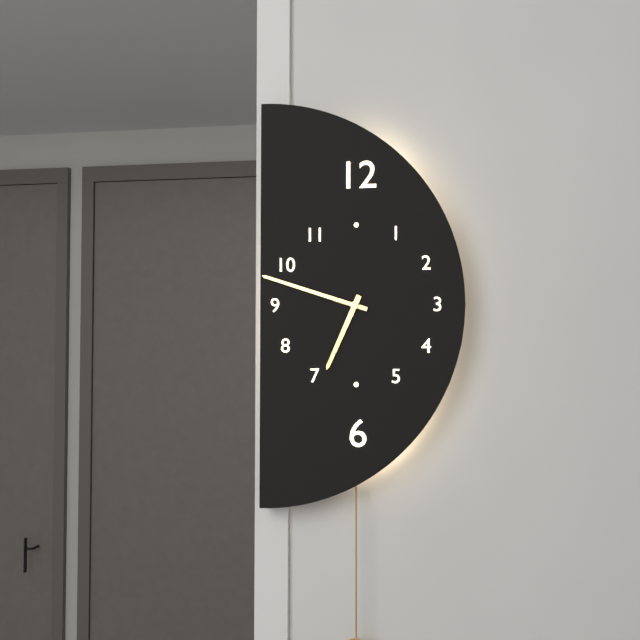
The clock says 6:48
